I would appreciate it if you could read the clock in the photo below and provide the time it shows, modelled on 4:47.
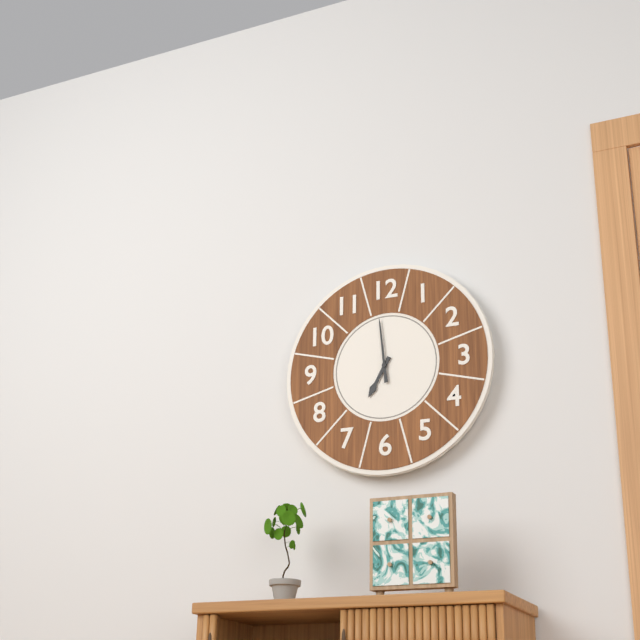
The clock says 6:59
